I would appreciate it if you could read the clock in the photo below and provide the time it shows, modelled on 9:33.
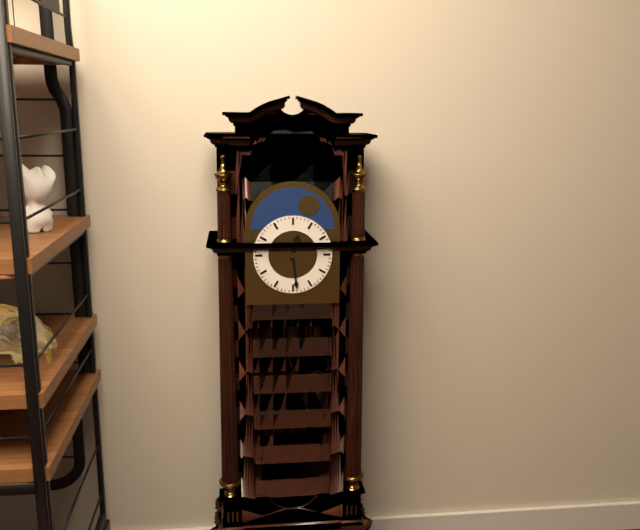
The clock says 12:29
